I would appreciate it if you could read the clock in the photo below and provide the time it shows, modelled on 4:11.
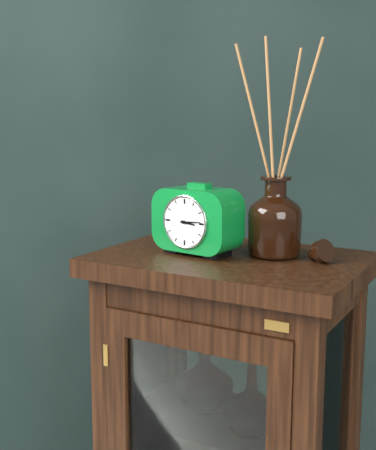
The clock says 3:14
